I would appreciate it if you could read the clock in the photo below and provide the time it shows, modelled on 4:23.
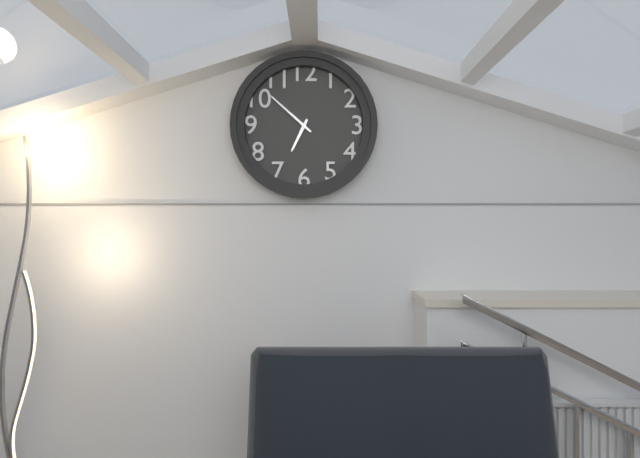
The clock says 6:52
